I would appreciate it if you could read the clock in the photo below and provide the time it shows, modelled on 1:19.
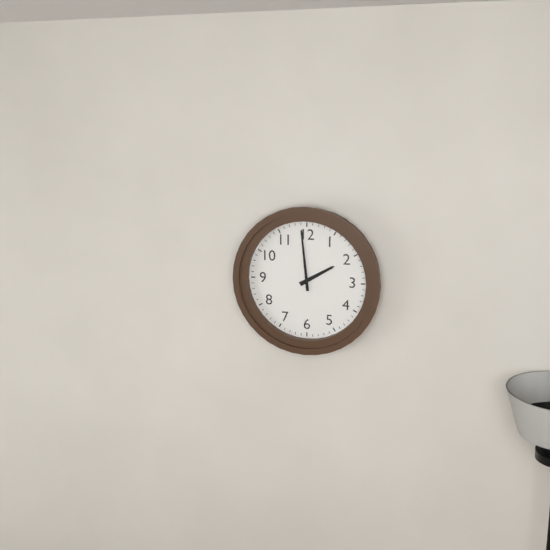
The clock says 1:59
